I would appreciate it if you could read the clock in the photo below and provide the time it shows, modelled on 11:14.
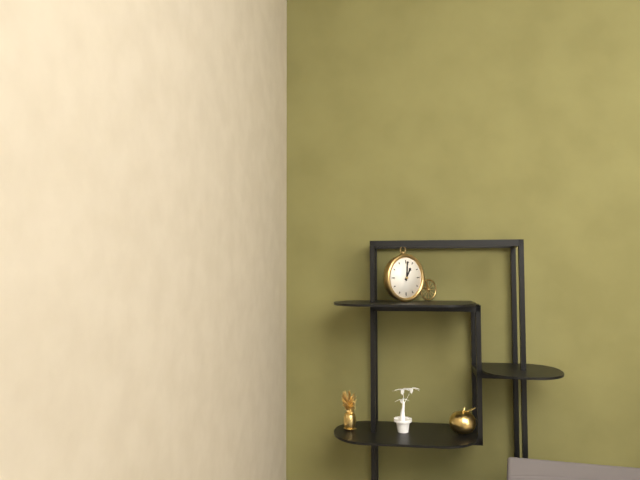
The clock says 1:01
